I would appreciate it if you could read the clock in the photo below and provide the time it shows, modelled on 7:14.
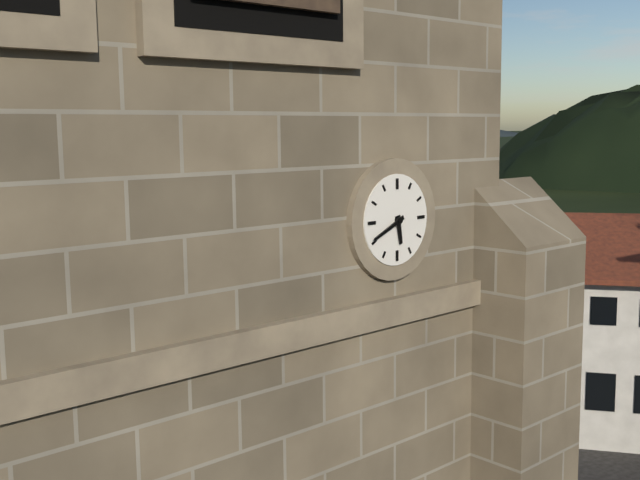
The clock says 5:41
